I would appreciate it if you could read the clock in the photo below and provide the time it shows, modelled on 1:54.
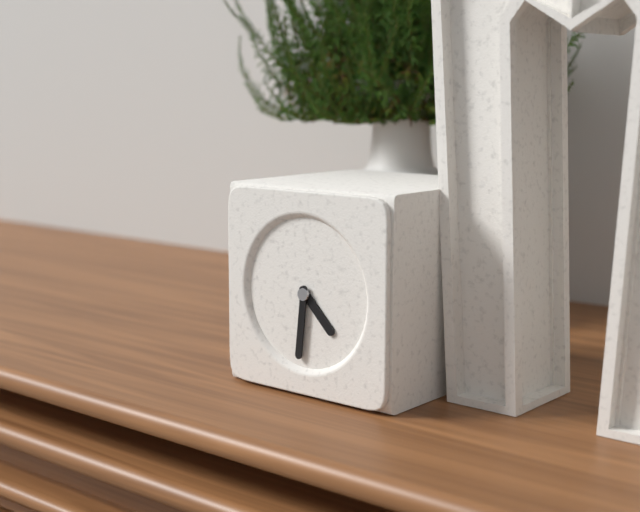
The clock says 4:31
